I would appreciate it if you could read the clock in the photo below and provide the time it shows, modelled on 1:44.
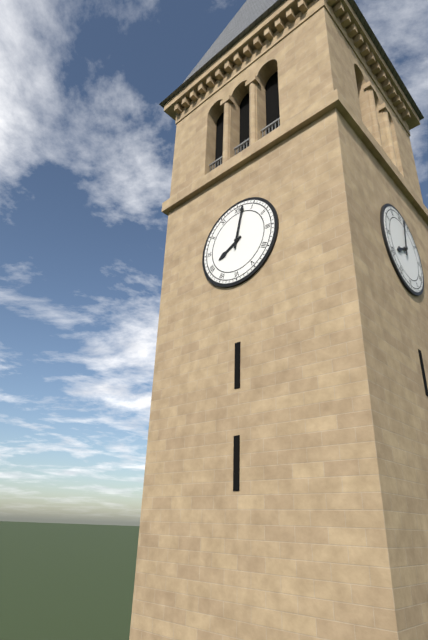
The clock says 8:02
